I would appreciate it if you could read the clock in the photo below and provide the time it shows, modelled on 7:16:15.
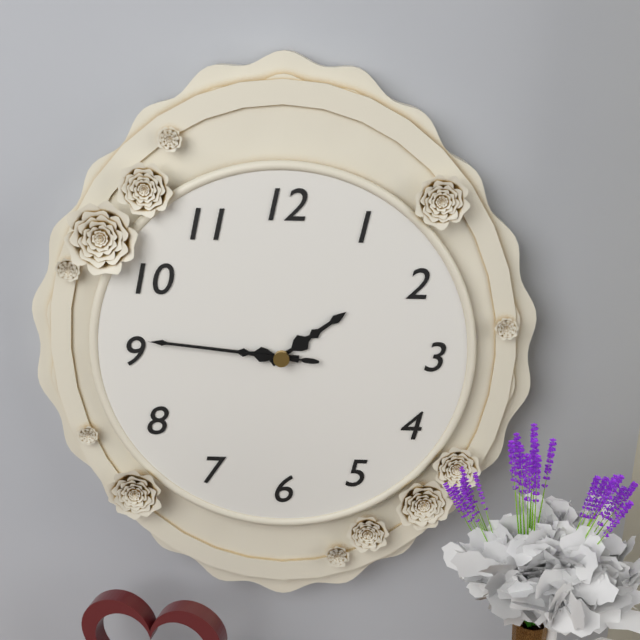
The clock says 1:46:46
